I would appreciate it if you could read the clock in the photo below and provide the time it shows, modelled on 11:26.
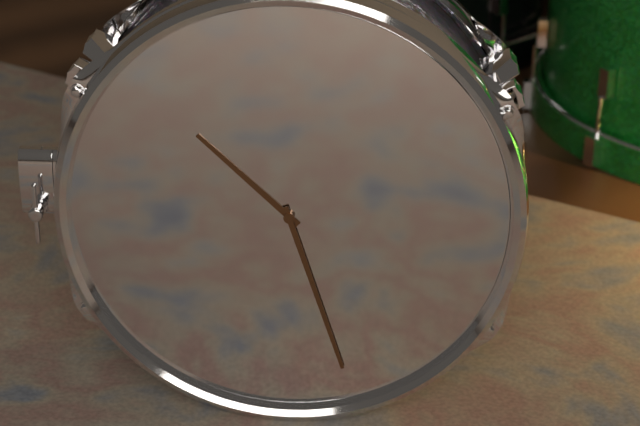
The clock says 10:27
